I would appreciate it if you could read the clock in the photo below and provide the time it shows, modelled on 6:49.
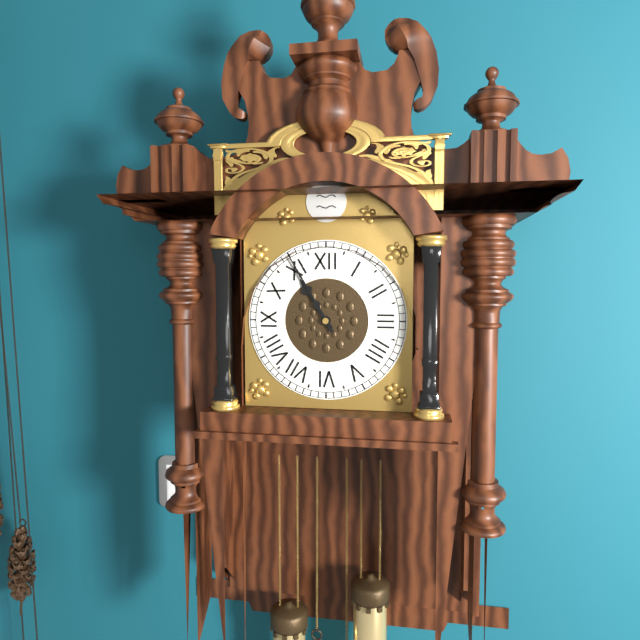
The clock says 10:55
